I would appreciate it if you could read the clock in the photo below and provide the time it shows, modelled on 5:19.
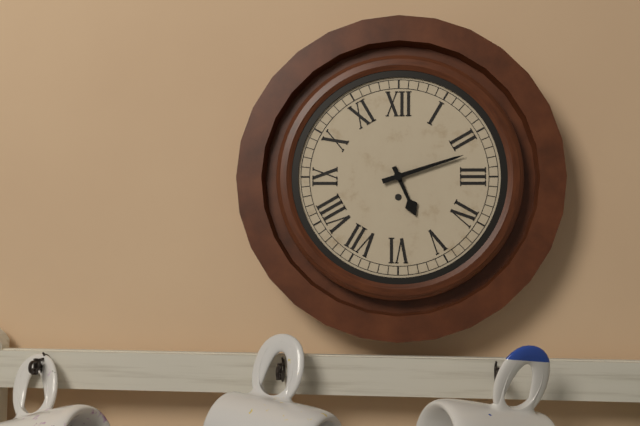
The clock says 5:12
